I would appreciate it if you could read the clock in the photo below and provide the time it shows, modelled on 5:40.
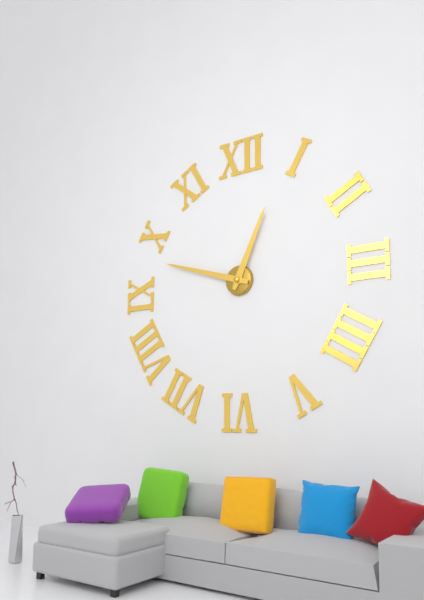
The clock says 12:48
